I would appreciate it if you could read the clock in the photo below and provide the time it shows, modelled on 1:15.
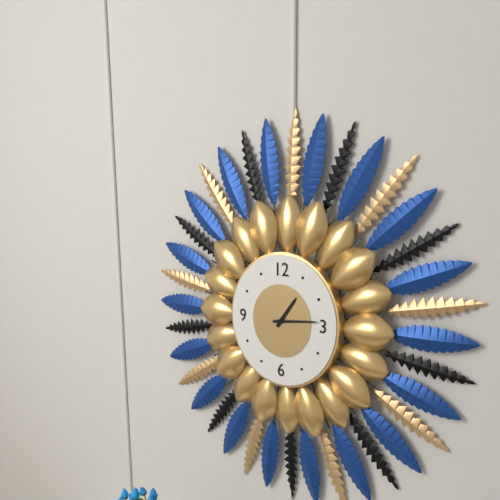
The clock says 1:14
